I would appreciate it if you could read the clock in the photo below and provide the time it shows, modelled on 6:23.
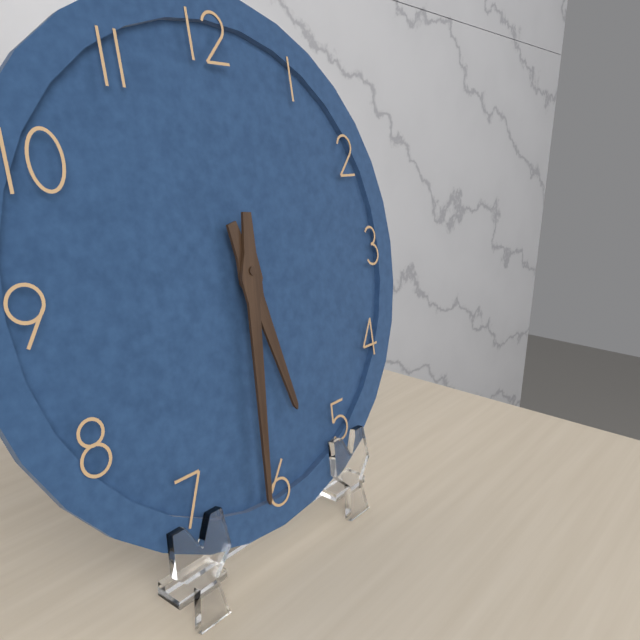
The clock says 5:31
